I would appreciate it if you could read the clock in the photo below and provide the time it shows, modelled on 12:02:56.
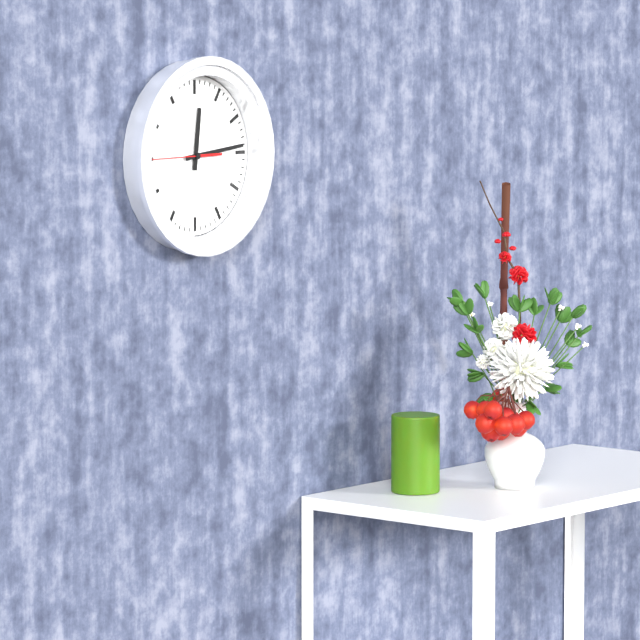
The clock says 12:14:45
